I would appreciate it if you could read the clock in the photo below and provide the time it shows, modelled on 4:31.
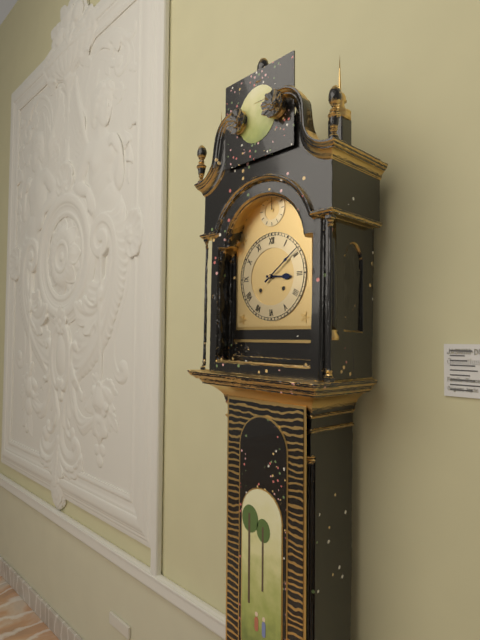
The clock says 3:09
